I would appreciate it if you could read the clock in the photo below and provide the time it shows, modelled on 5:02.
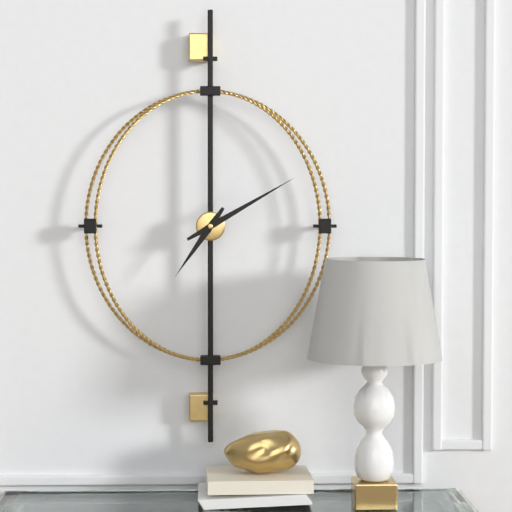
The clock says 7:10
